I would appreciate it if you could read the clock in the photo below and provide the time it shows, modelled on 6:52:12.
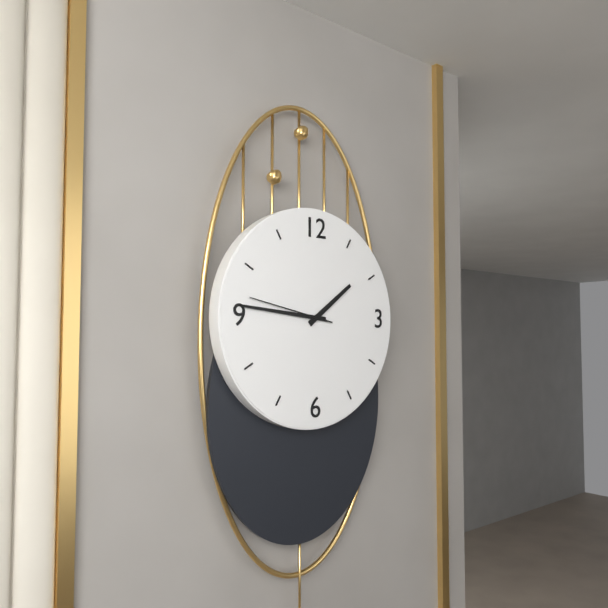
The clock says 1:46:47
